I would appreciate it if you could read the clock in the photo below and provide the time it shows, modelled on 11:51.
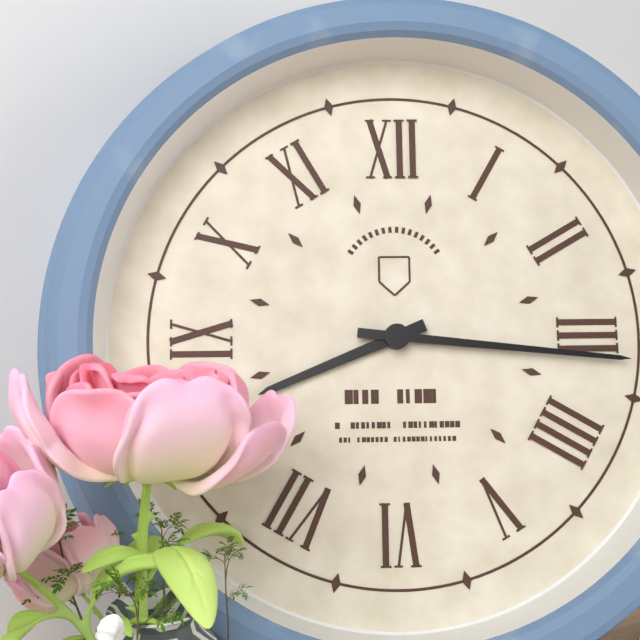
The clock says 8:16
